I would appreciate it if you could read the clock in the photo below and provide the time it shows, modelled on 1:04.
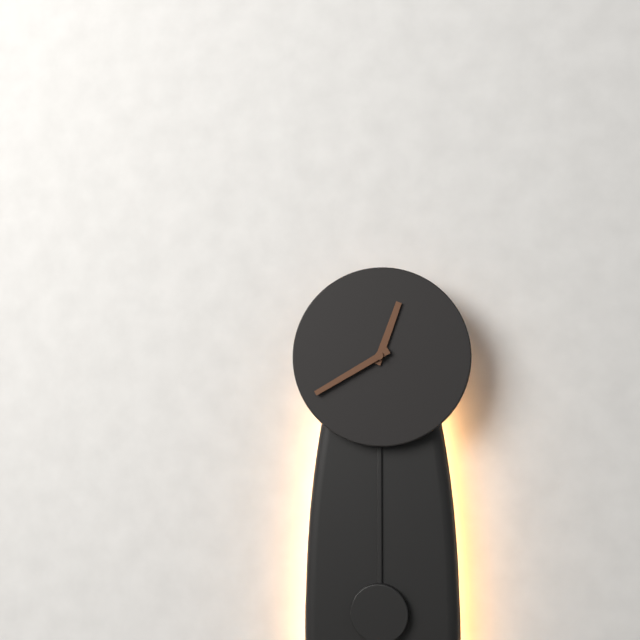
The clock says 12:40
